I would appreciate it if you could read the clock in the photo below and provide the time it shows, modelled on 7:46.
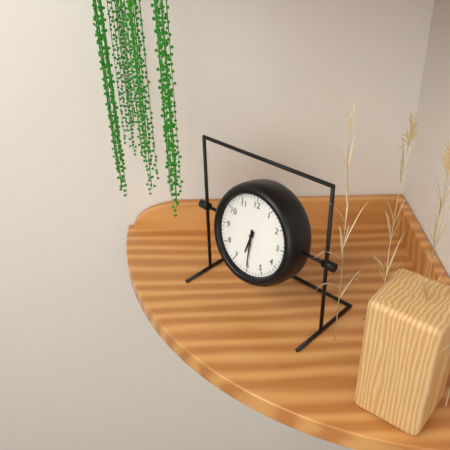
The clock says 6:30
